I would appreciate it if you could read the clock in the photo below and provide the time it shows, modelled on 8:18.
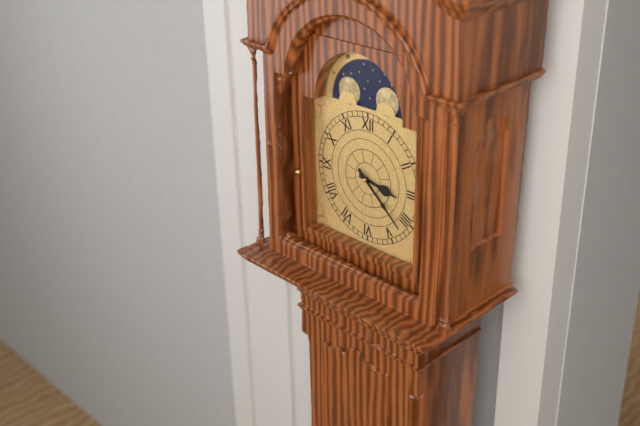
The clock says 3:22
